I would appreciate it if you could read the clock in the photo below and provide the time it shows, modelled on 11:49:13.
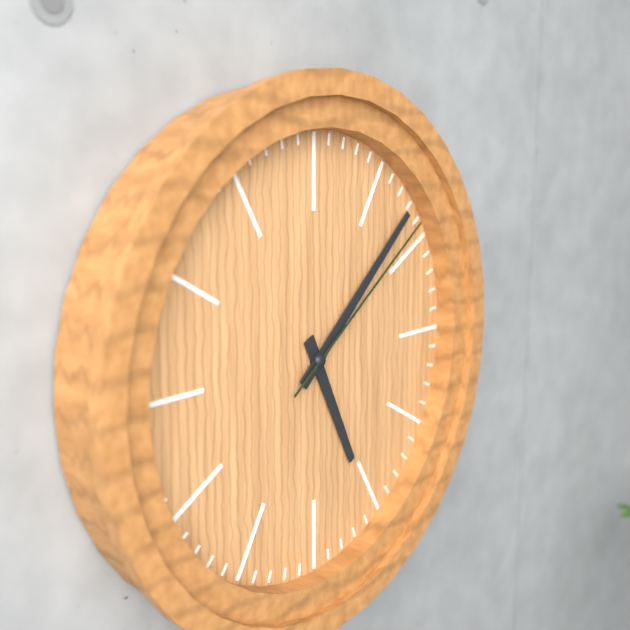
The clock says 5:08:09
